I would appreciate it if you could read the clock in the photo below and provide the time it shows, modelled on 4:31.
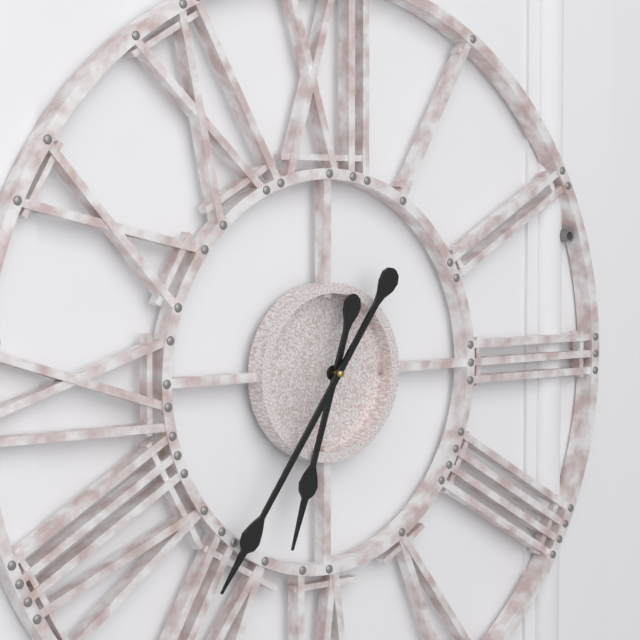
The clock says 6:36
